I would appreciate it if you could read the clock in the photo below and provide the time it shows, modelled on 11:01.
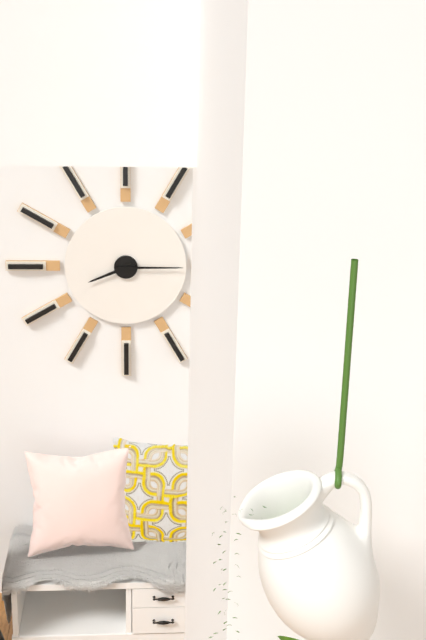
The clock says 8:15
